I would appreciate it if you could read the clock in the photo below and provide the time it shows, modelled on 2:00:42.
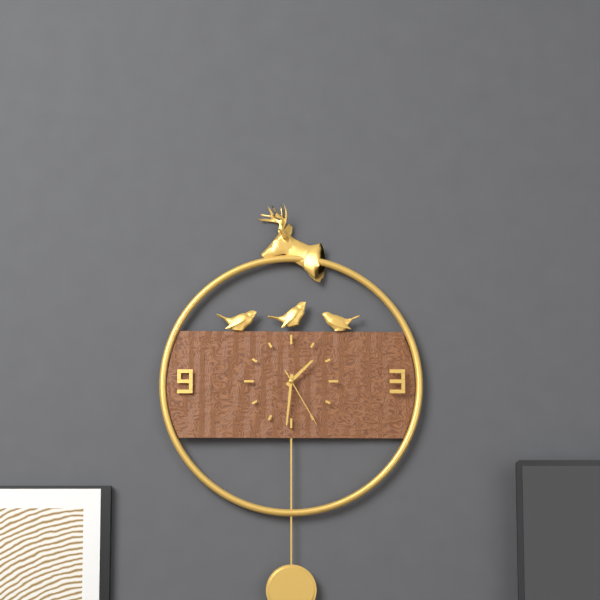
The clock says 1:31:25
